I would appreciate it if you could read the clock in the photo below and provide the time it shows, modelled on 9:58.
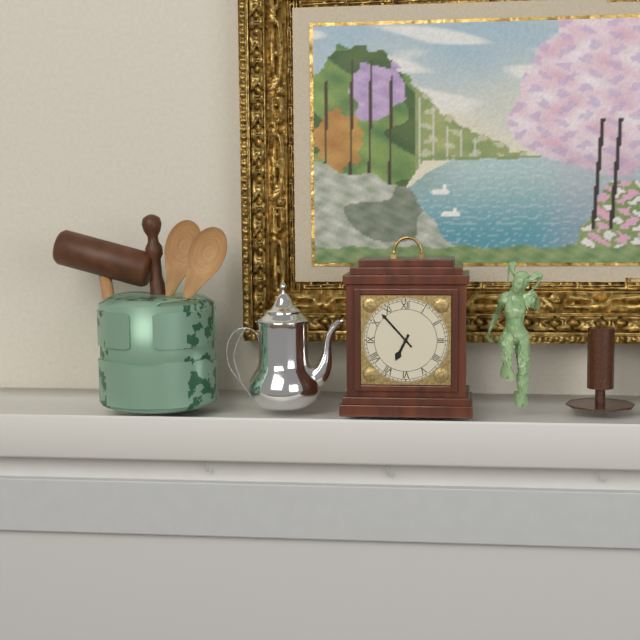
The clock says 6:53
